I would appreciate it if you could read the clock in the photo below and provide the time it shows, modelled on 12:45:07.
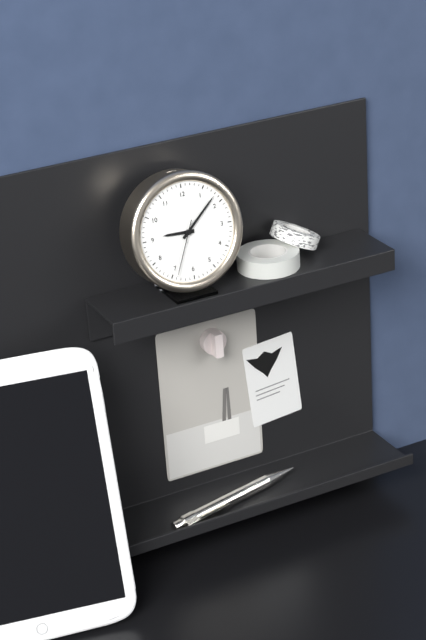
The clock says 9:08:34
